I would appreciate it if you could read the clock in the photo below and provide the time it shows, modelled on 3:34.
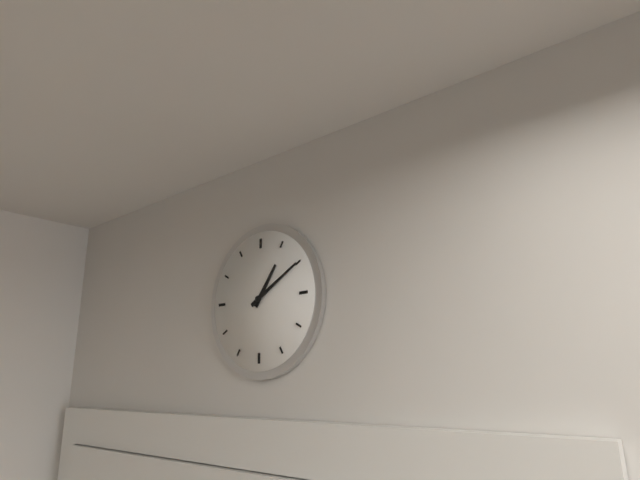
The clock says 1:10
